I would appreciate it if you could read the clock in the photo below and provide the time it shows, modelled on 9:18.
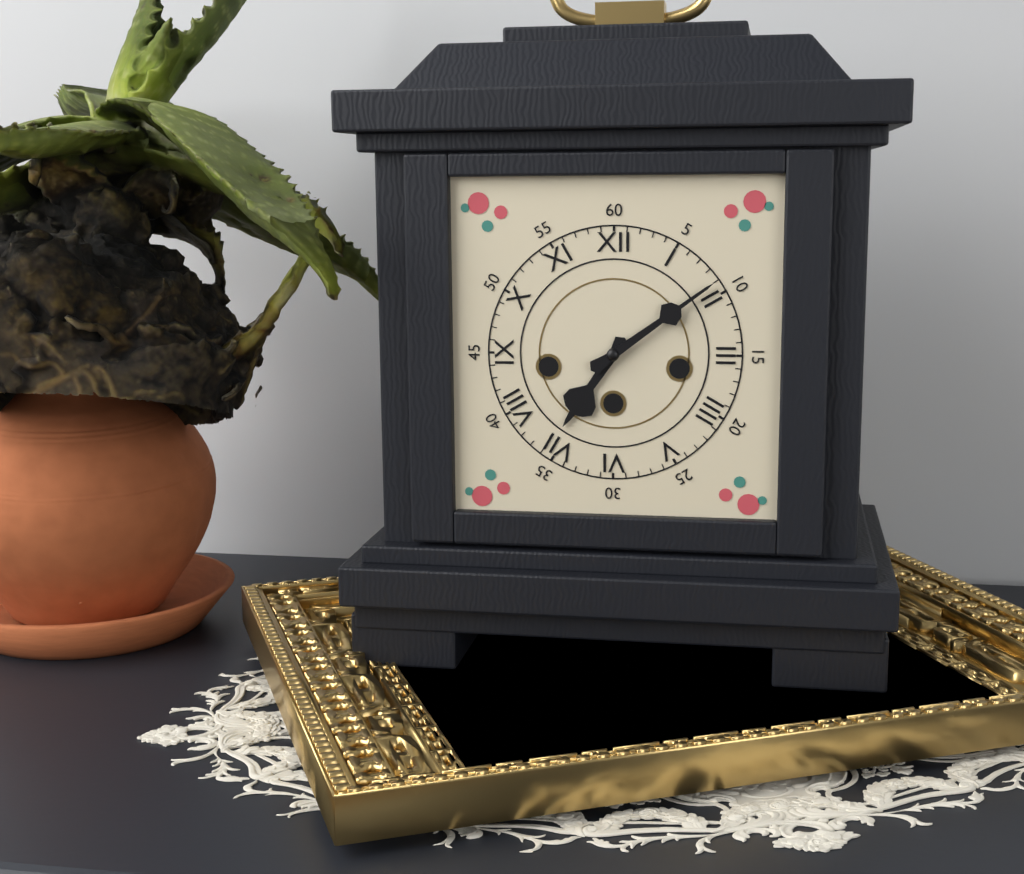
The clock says 7:09
